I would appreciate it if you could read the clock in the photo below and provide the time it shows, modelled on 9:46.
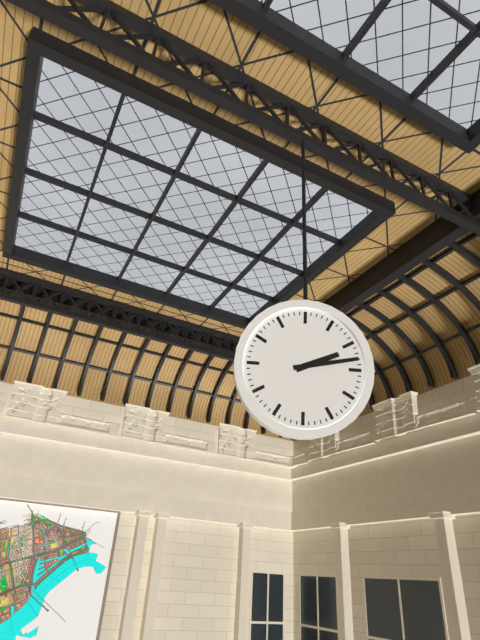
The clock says 2:13
